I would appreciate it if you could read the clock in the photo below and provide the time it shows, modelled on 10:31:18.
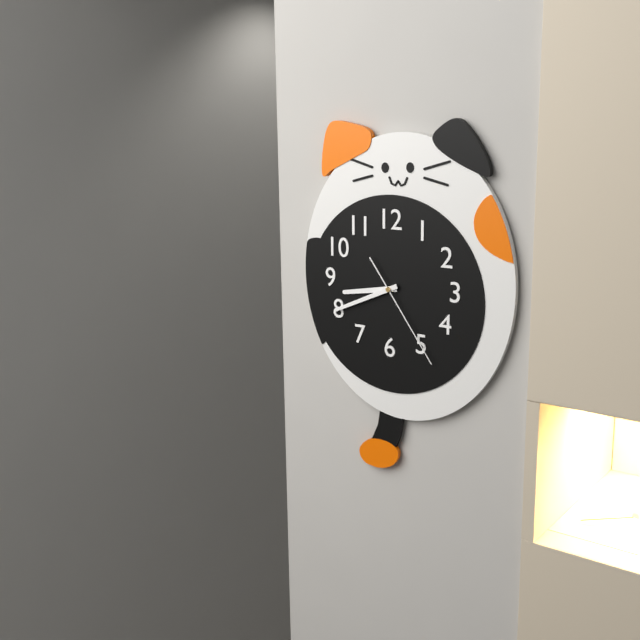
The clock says 8:41:24
